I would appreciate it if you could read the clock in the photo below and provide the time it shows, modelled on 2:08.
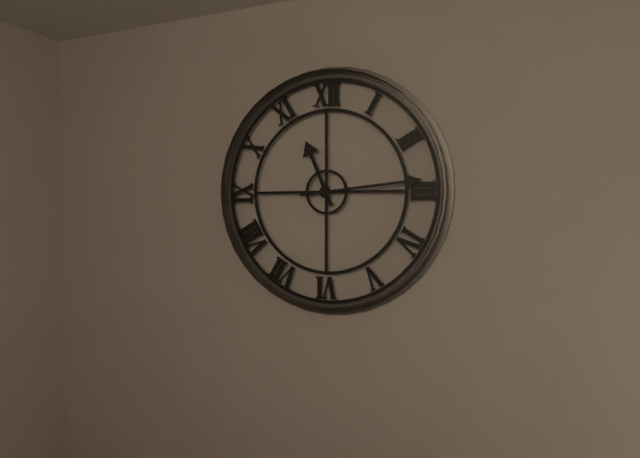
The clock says 11:14
